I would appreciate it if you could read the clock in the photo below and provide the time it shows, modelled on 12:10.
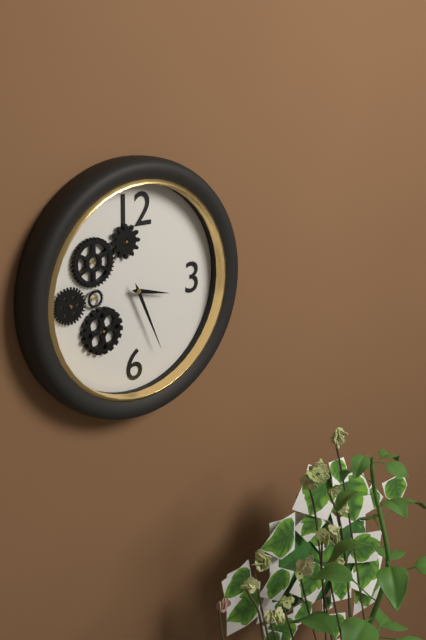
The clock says 3:26
